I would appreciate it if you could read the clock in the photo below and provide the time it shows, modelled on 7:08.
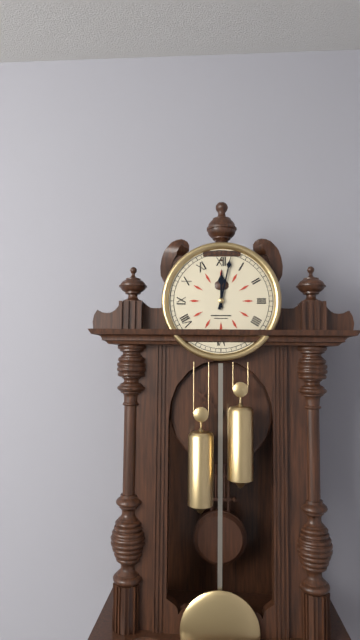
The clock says 12:02
